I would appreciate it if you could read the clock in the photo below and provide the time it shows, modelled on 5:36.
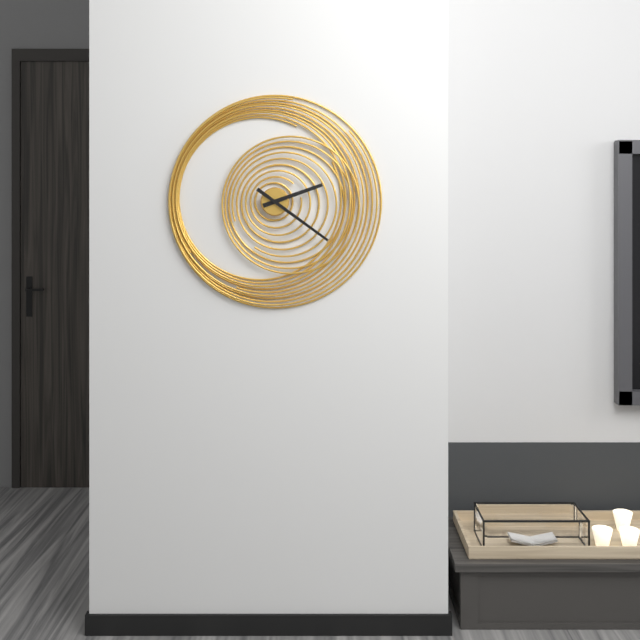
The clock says 2:21
